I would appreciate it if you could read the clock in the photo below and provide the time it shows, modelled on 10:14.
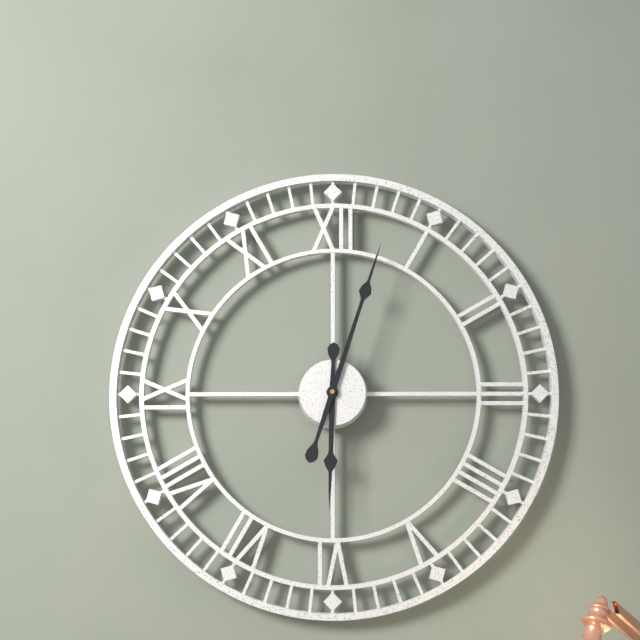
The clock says 6:03
